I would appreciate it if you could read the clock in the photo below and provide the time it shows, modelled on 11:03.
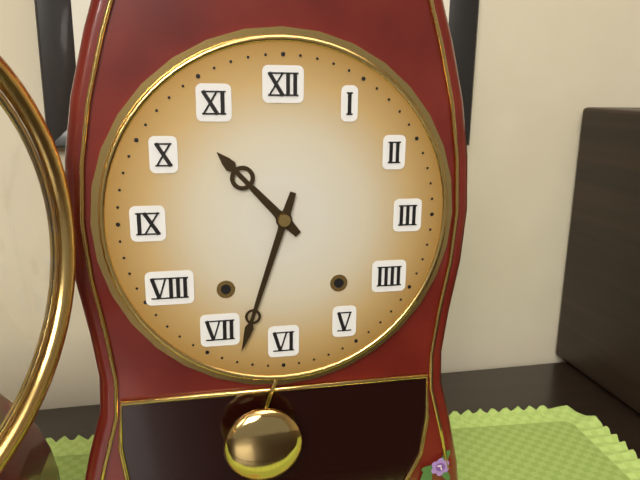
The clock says 10:33
